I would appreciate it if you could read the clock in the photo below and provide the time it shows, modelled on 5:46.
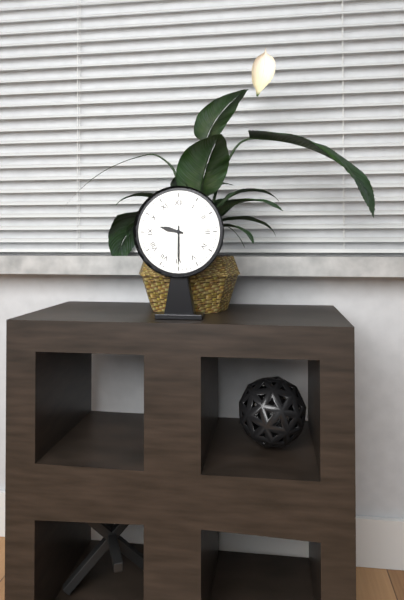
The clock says 9:30
